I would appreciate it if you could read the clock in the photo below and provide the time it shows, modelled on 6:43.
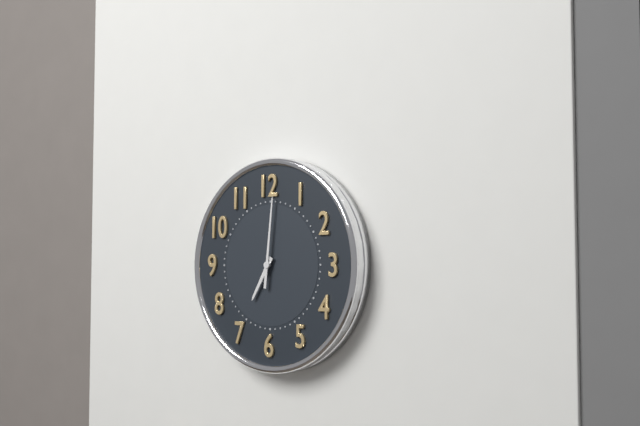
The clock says 7:01
